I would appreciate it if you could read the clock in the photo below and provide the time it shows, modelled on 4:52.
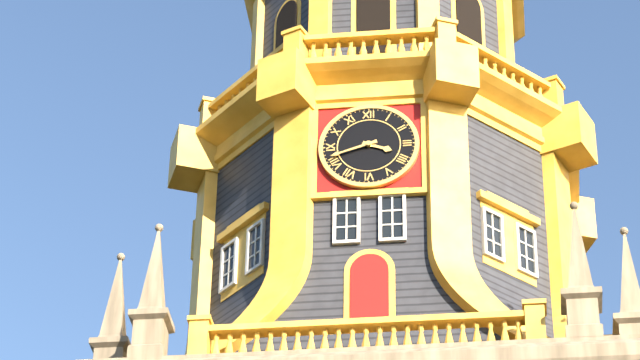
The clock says 3:42
